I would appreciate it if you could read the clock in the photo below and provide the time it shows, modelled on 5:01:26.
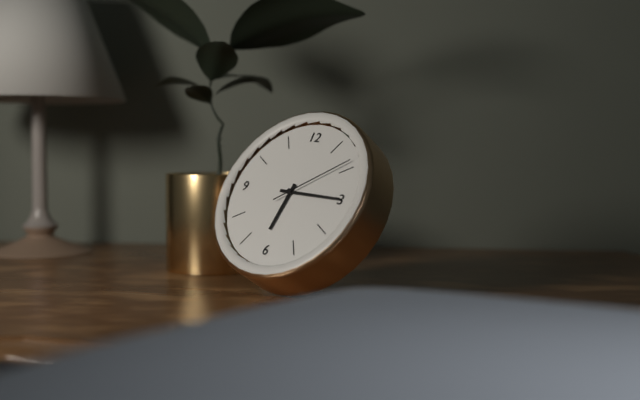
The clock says 6:15:09
